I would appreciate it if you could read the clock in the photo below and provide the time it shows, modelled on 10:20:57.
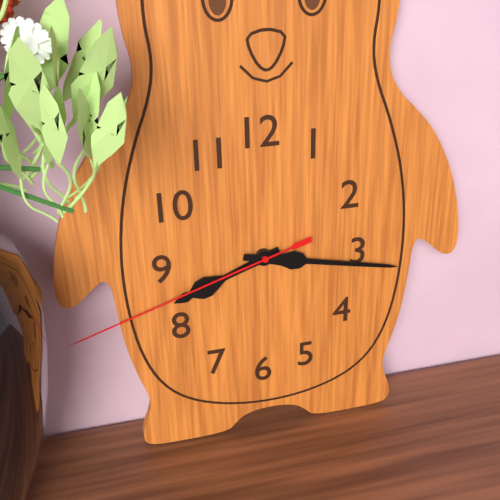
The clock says 8:17:42
